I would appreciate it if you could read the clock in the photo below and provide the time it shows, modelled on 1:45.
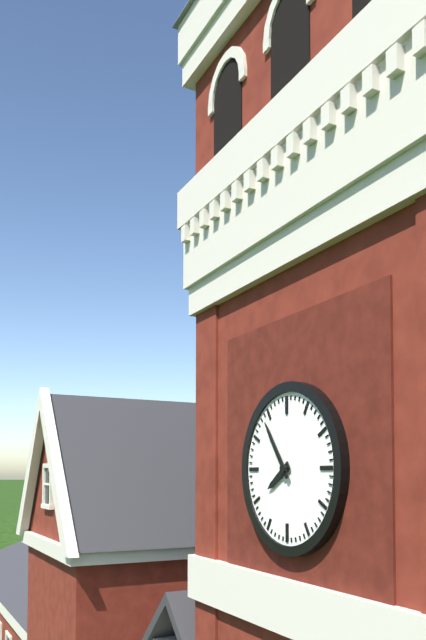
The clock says 7:54
